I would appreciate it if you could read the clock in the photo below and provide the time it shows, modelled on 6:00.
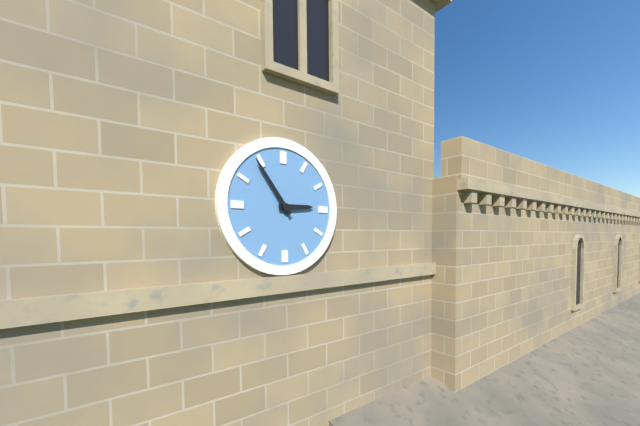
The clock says 2:54
